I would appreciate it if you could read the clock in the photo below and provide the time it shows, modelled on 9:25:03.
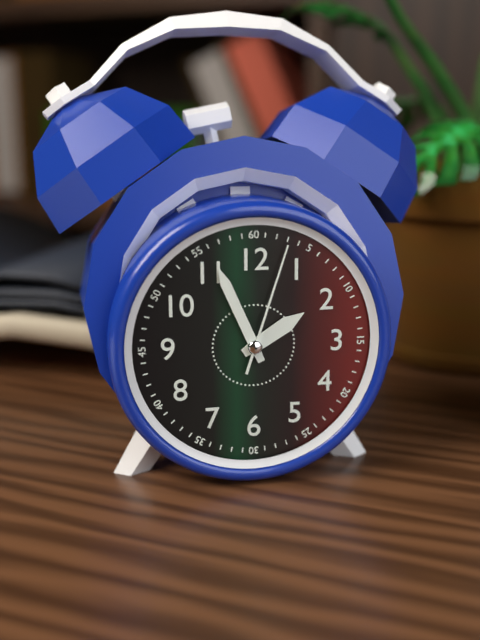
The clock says 1:56:03
